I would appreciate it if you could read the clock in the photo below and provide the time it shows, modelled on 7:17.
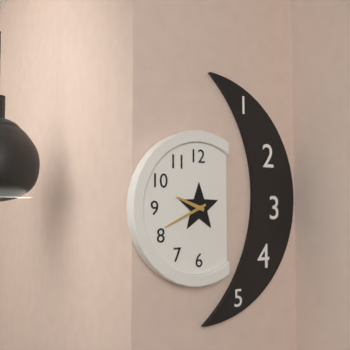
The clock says 9:41
